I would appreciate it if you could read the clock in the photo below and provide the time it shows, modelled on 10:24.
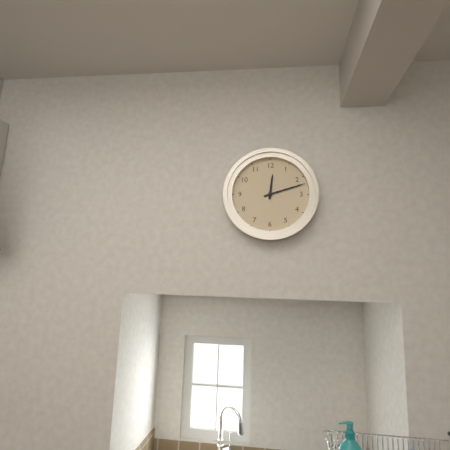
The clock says 12:12
